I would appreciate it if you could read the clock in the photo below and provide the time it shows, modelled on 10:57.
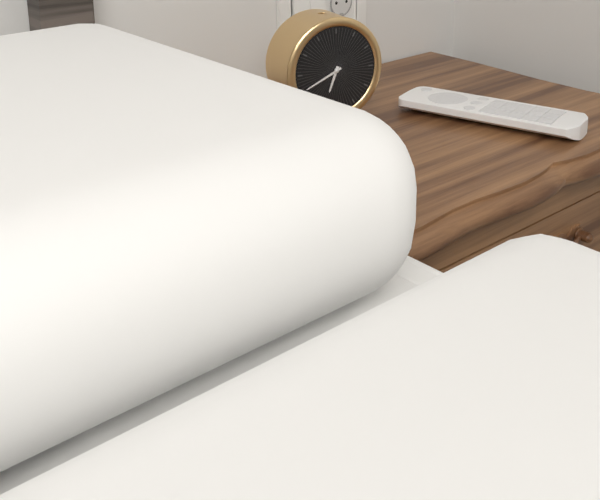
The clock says 6:41
